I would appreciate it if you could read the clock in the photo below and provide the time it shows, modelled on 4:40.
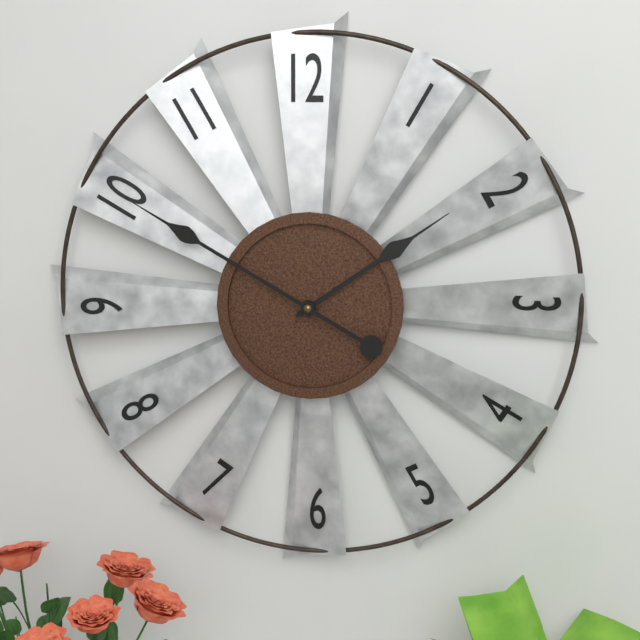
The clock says 1:50
